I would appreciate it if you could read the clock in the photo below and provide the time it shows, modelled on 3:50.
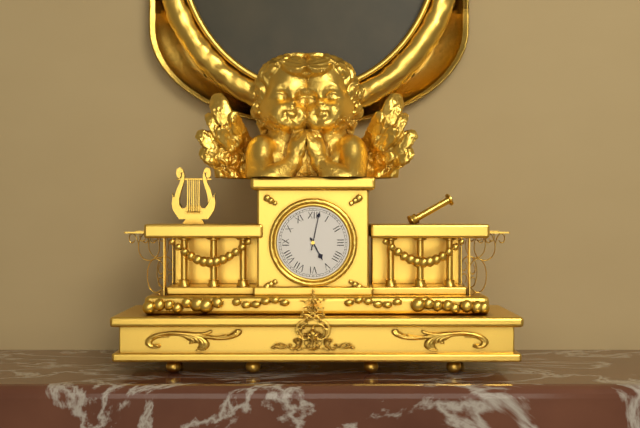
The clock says 5:02
